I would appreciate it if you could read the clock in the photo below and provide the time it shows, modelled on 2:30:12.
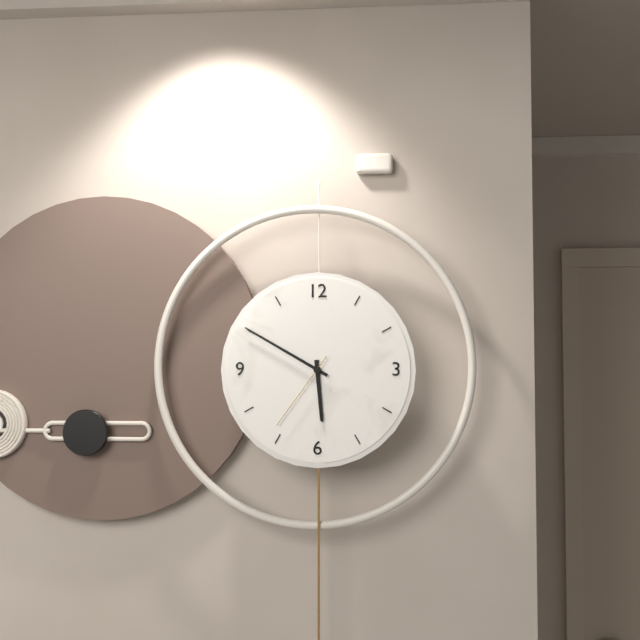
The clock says 5:50:36
